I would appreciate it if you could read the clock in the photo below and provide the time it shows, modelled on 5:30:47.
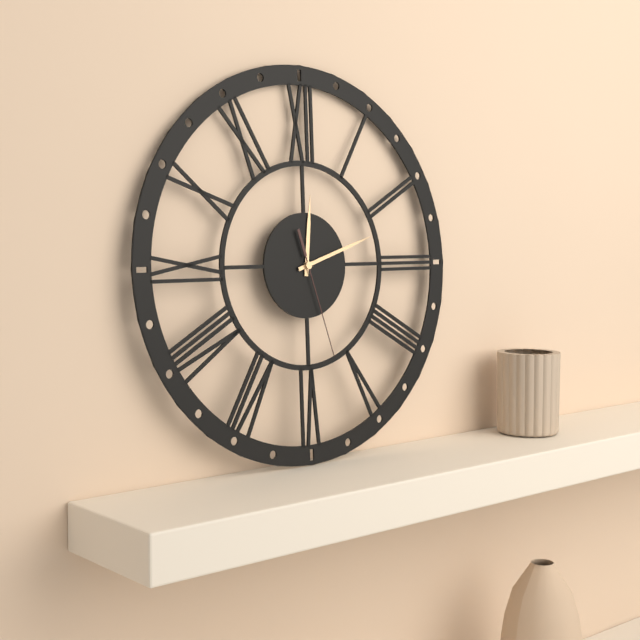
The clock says 12:12:27
